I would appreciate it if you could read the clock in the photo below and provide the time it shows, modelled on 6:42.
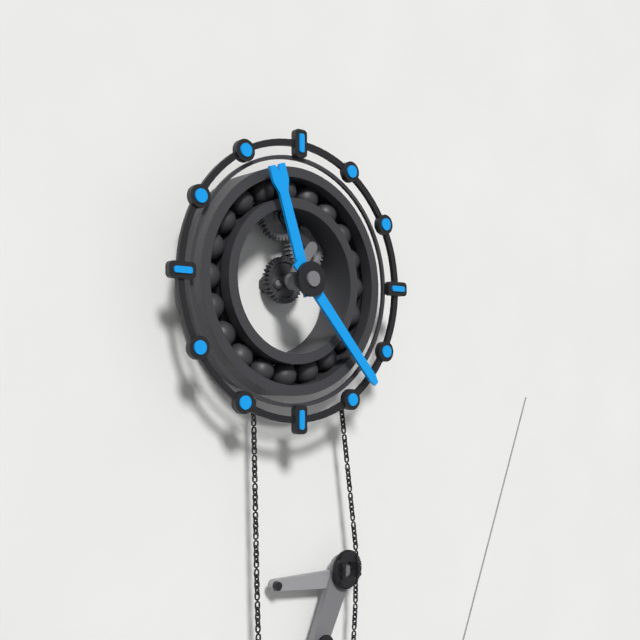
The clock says 11:23
